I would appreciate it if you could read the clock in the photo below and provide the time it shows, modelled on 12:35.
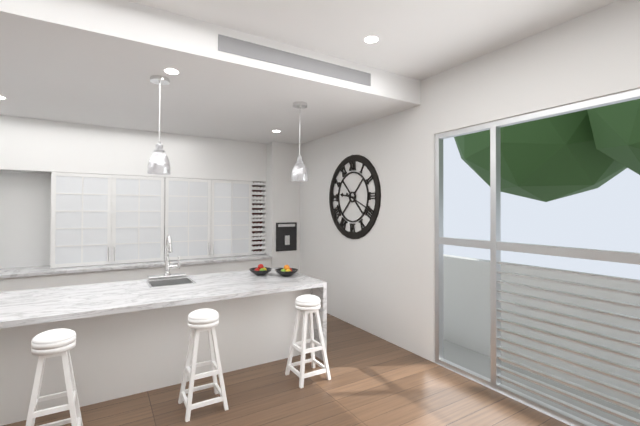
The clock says 9:19
